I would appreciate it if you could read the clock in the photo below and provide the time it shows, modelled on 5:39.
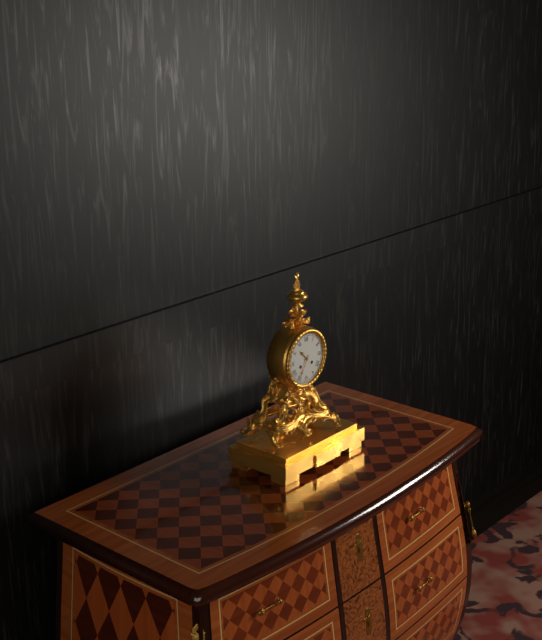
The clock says 10:35
